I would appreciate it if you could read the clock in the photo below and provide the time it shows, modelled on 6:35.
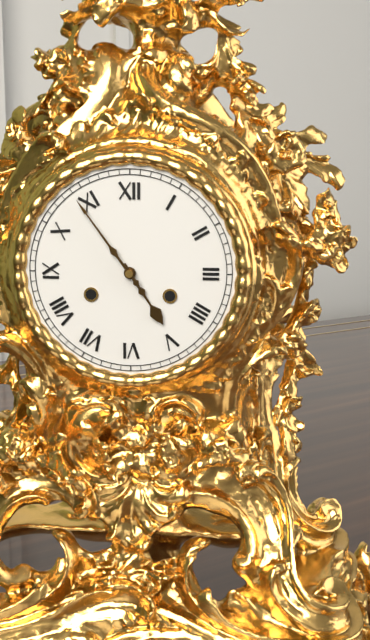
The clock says 4:54
